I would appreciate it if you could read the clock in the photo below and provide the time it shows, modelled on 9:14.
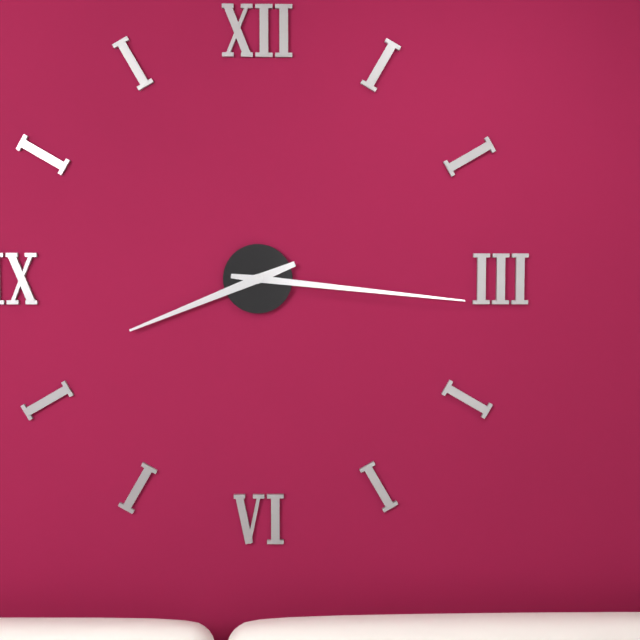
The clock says 8:16
